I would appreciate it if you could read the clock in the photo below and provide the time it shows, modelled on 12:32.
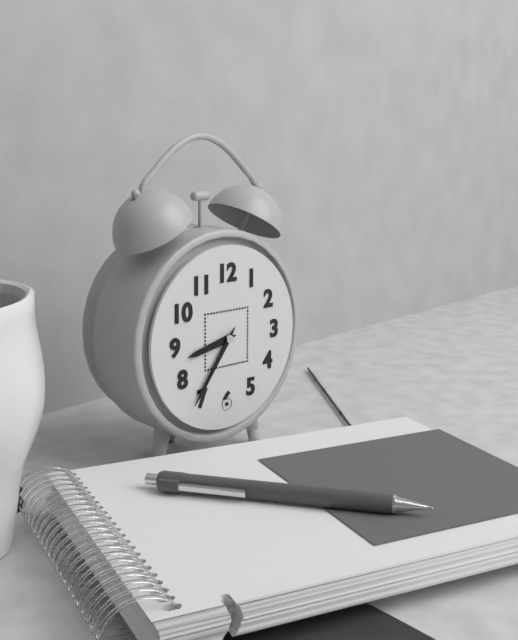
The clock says 8:36
